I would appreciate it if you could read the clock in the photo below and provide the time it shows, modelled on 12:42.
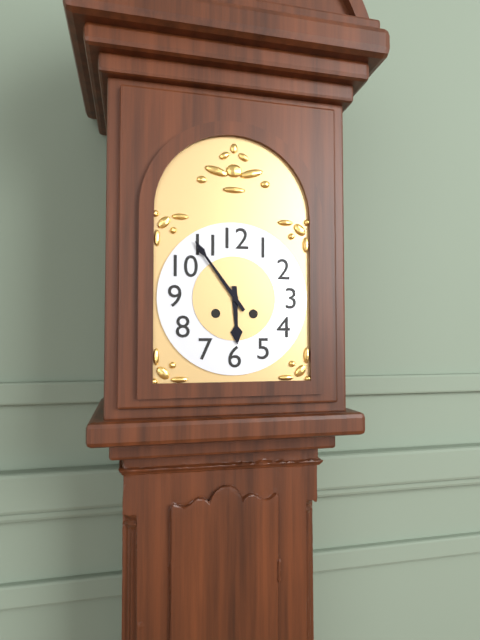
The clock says 5:54
